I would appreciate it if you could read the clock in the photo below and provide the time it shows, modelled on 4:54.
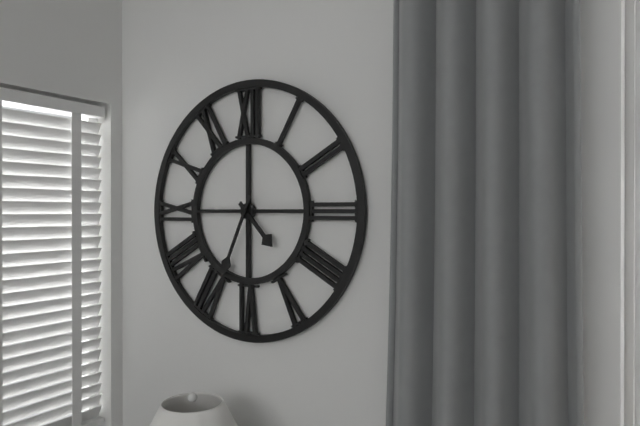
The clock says 4:34
